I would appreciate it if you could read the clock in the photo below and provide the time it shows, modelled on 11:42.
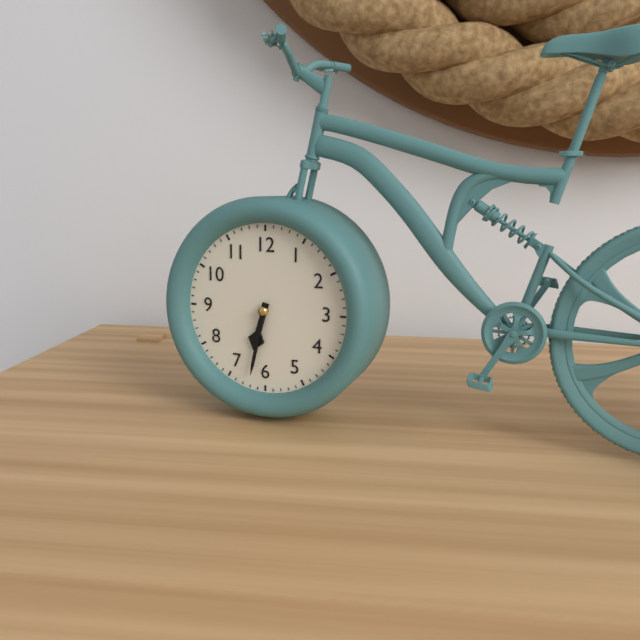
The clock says 6:32
